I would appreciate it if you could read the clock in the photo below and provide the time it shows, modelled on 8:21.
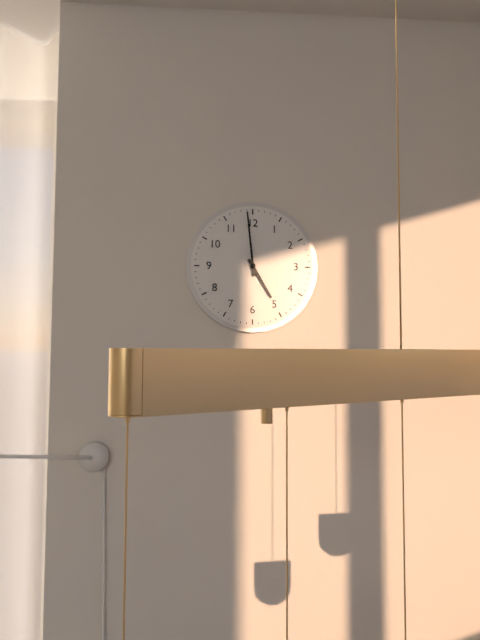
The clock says 4:59
